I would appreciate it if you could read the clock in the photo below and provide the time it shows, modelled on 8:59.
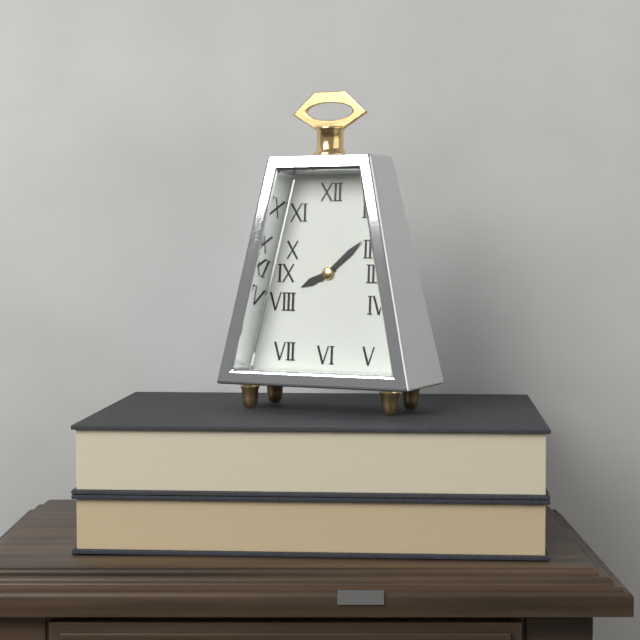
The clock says 8:08
